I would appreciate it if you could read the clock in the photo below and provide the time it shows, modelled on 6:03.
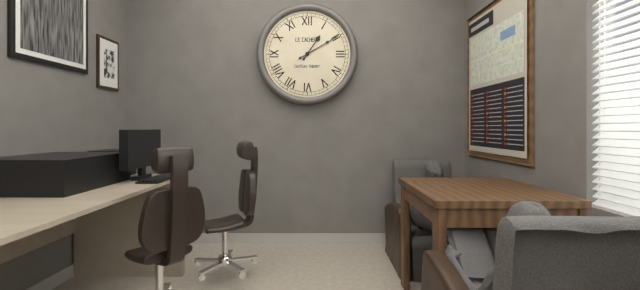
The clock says 1:10
